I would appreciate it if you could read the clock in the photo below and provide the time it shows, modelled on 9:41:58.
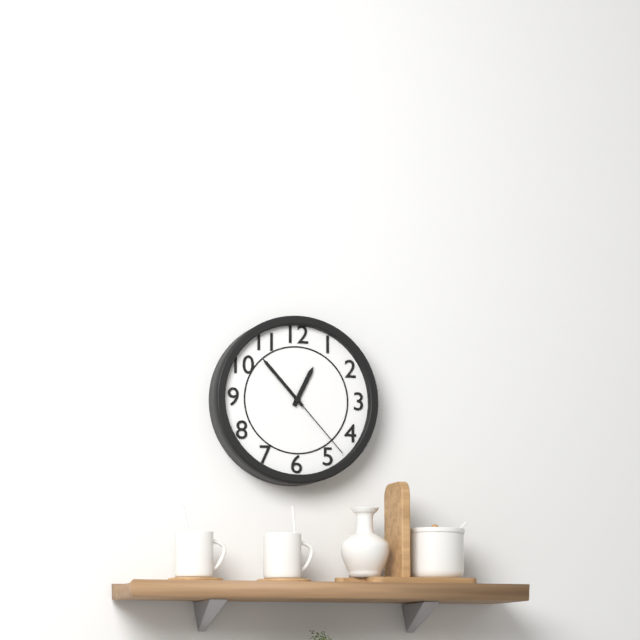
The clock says 12:53:23
